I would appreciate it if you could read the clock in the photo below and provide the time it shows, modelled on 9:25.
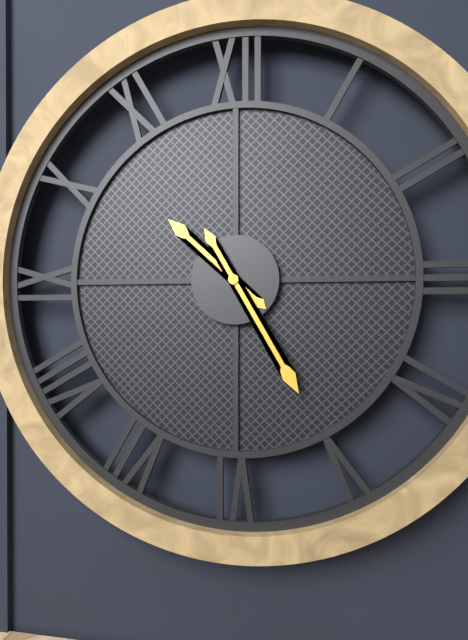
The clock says 10:25
